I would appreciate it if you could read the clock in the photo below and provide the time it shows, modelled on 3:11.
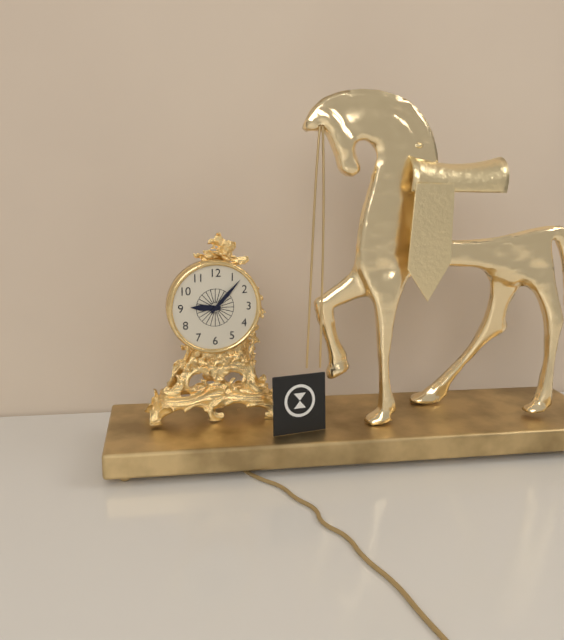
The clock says 9:07
